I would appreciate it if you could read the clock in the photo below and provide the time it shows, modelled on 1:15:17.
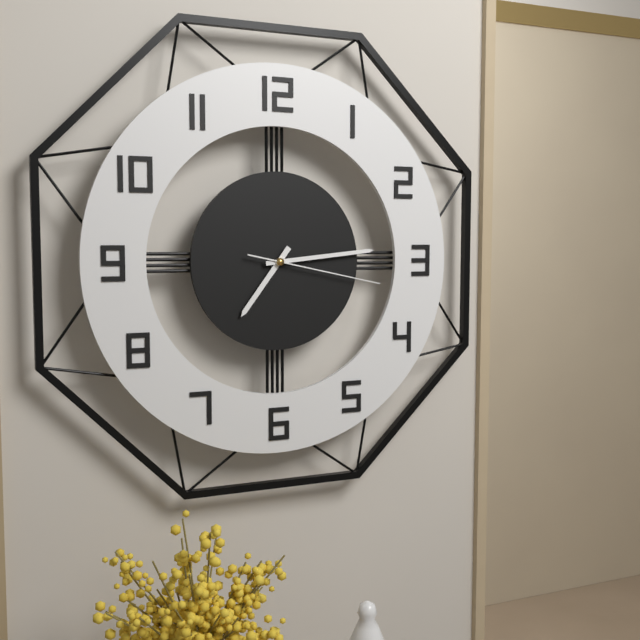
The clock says 7:14:17
